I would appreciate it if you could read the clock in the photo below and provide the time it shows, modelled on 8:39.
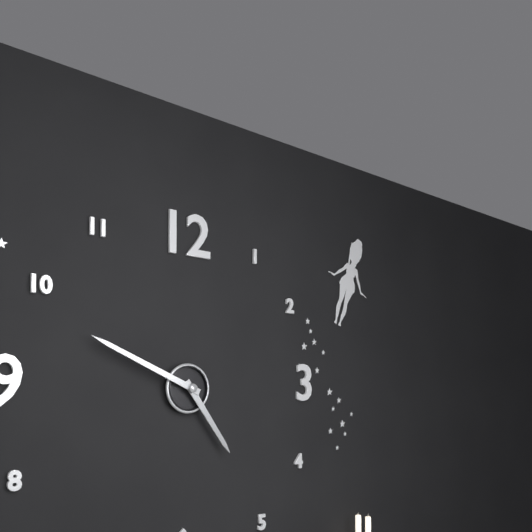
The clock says 4:49
